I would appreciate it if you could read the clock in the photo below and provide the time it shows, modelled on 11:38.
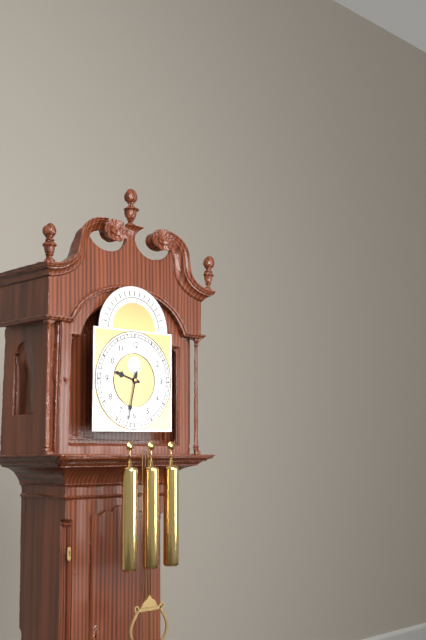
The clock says 9:32
